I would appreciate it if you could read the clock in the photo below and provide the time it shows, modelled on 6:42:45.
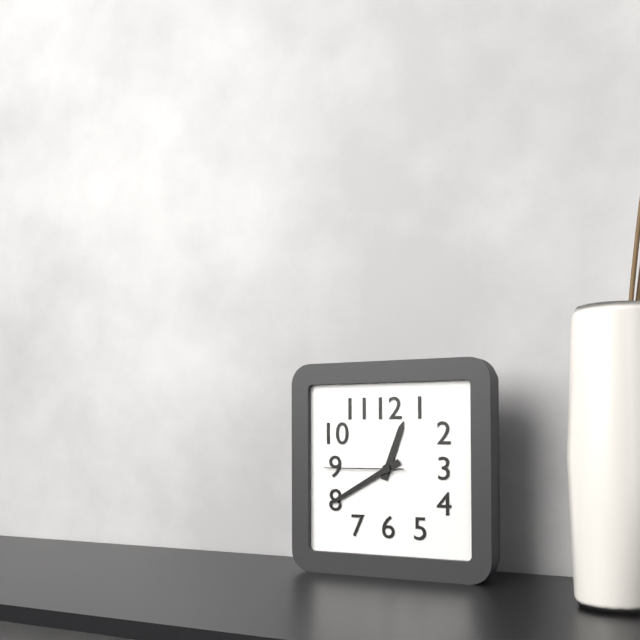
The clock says 12:40:45
